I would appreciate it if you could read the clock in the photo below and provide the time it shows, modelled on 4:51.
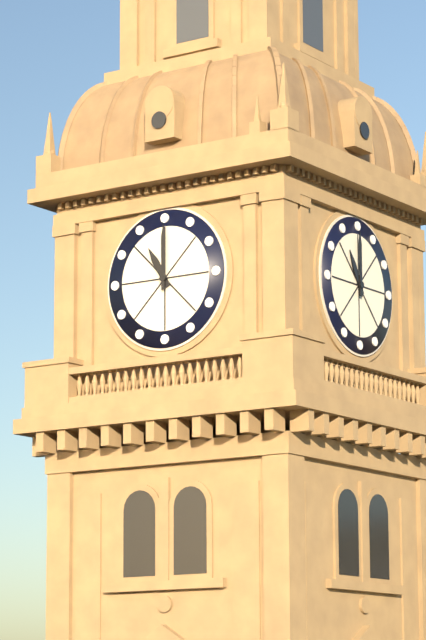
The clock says 11:00
